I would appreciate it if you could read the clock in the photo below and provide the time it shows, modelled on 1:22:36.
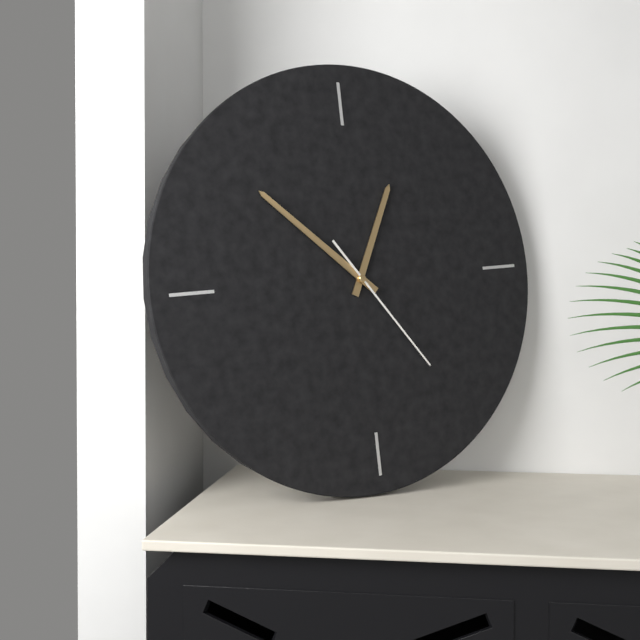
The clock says 12:52:24
